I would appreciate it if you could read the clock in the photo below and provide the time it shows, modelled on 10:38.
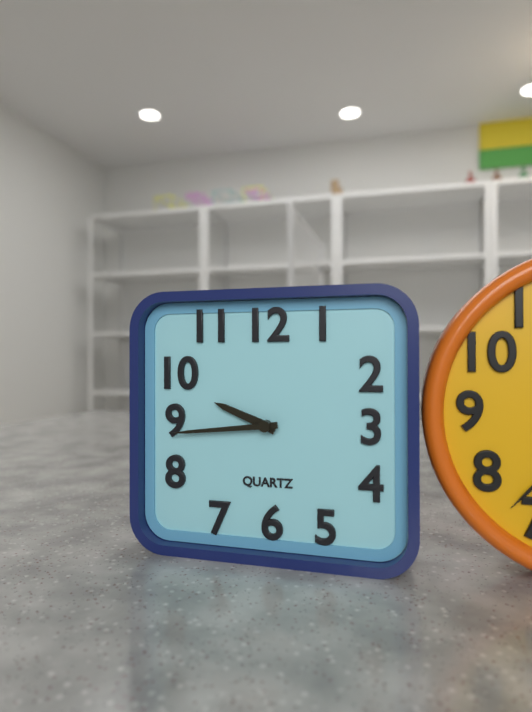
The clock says 9:44
